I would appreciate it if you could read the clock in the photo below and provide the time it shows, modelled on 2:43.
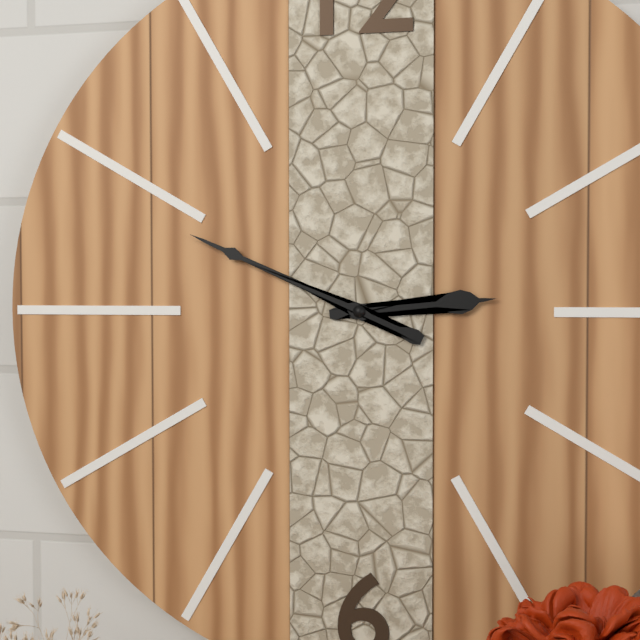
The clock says 2:49
